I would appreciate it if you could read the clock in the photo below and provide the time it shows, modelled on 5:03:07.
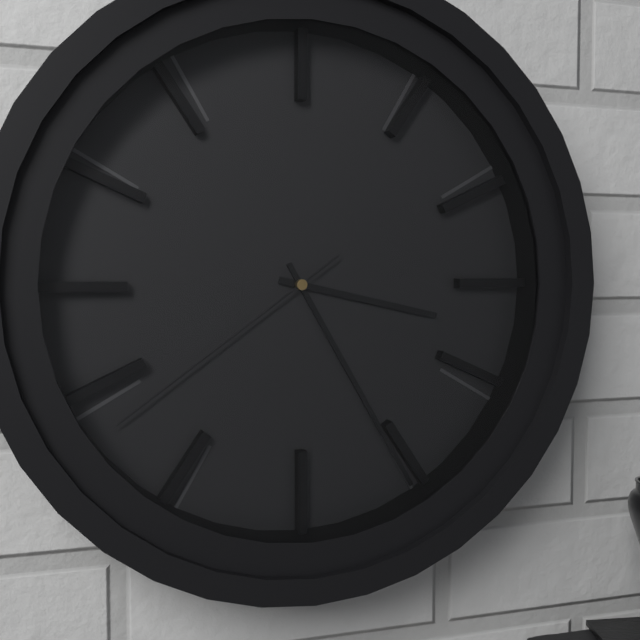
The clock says 3:25:39
